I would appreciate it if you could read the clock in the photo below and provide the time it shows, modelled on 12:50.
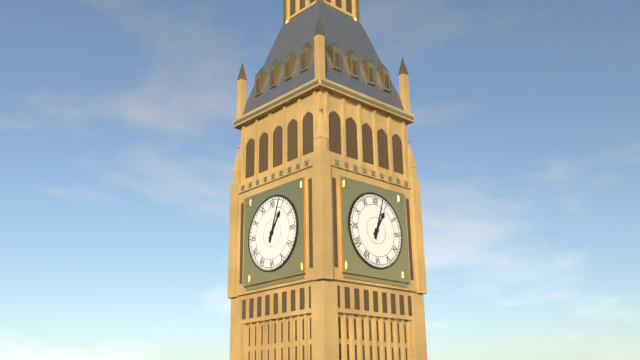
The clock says 1:03
